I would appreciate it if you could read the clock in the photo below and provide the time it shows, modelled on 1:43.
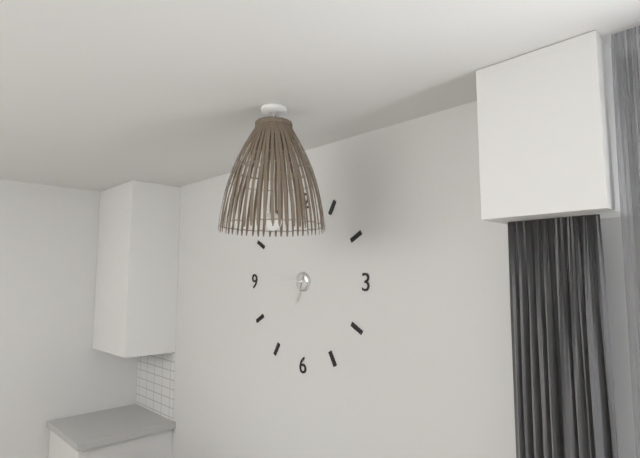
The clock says 6:46
